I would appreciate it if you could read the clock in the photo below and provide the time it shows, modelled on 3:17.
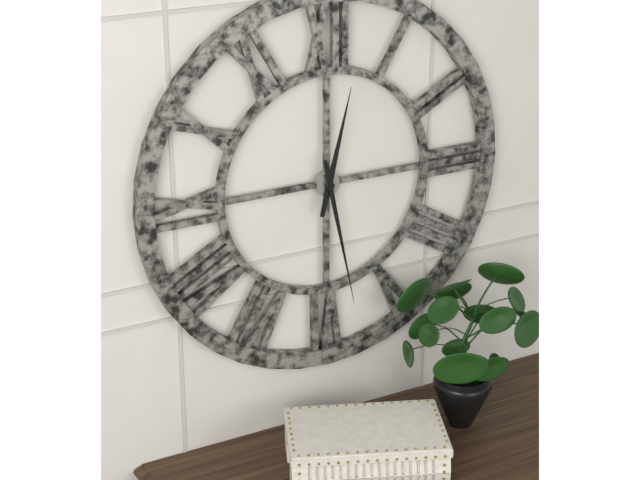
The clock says 12:28
